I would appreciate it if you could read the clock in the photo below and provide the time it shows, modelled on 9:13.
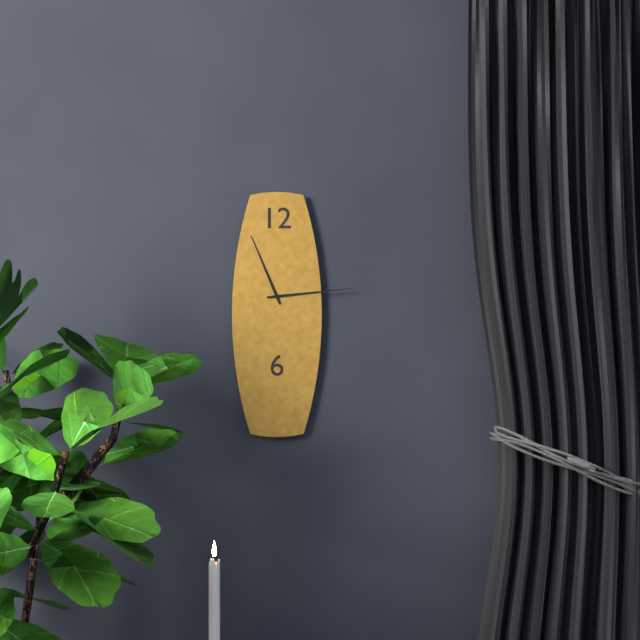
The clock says 11:14
